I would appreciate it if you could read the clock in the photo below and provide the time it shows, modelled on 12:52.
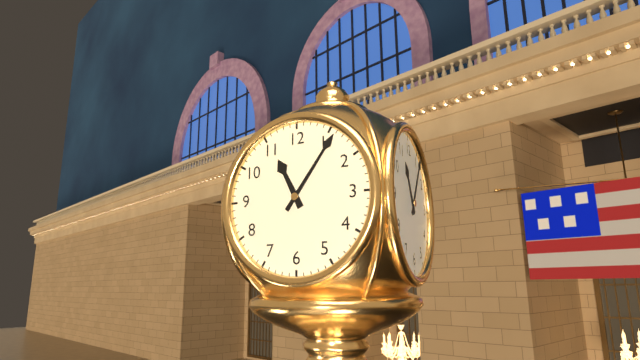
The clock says 11:06
